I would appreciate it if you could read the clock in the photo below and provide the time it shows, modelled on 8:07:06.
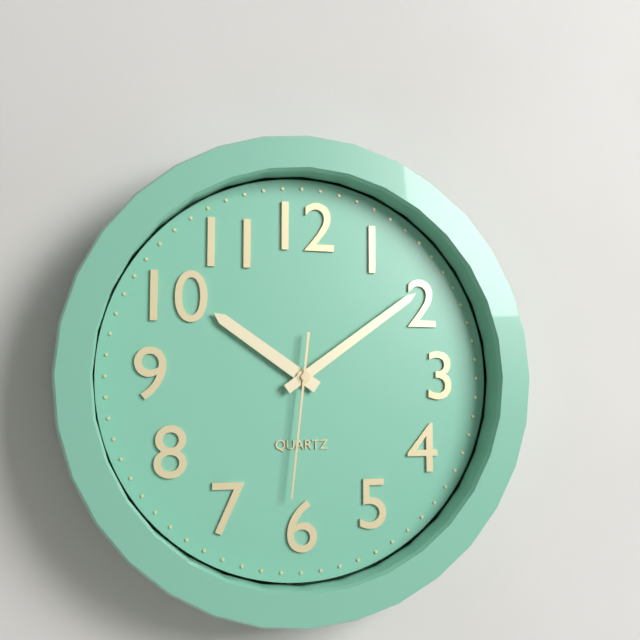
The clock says 10:09:31
